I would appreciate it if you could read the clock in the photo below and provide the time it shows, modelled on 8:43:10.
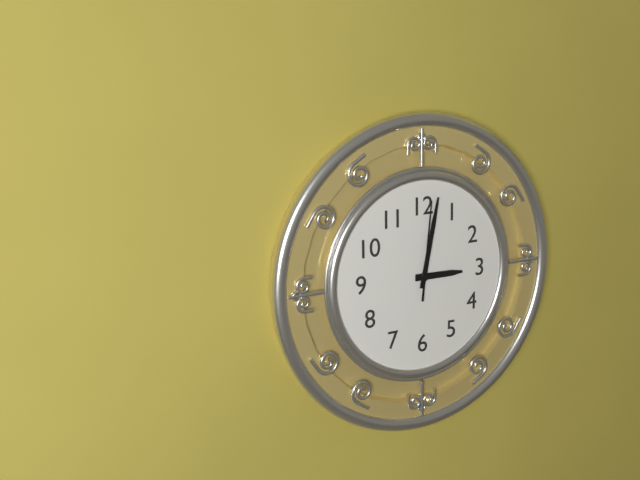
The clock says 3:02:01
